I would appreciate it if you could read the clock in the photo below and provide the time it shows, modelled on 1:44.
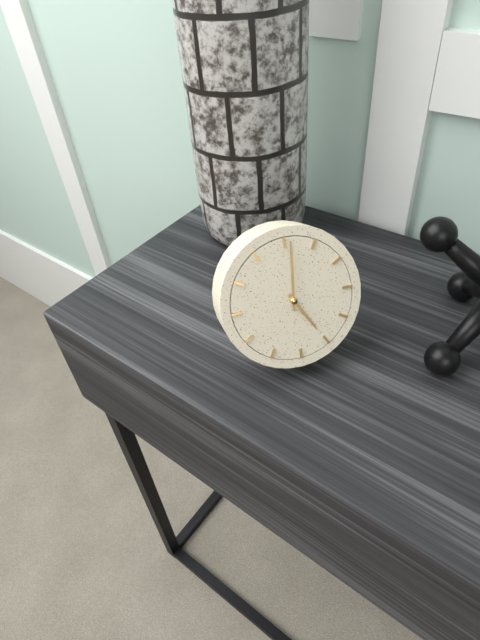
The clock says 5:01
